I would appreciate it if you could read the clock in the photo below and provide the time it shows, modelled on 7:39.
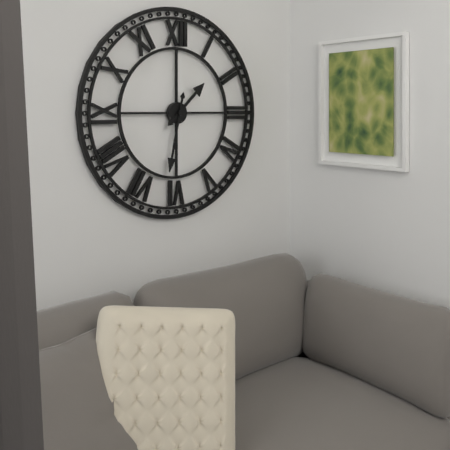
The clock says 1:32
